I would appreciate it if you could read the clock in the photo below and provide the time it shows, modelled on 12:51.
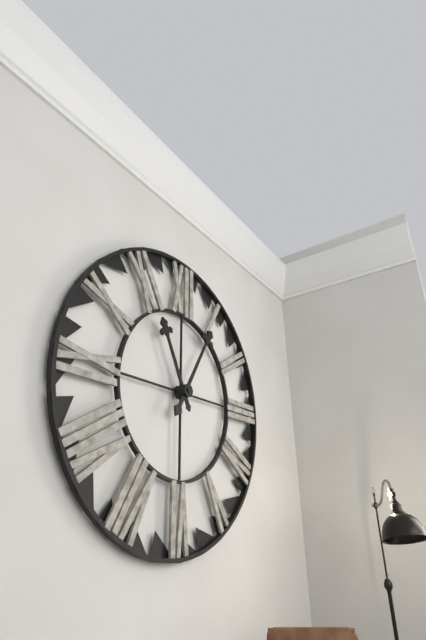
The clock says 11:05
